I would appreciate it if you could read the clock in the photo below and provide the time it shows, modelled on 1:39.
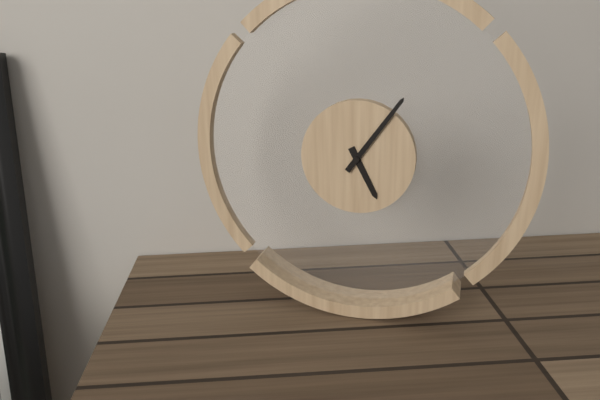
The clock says 5:06
